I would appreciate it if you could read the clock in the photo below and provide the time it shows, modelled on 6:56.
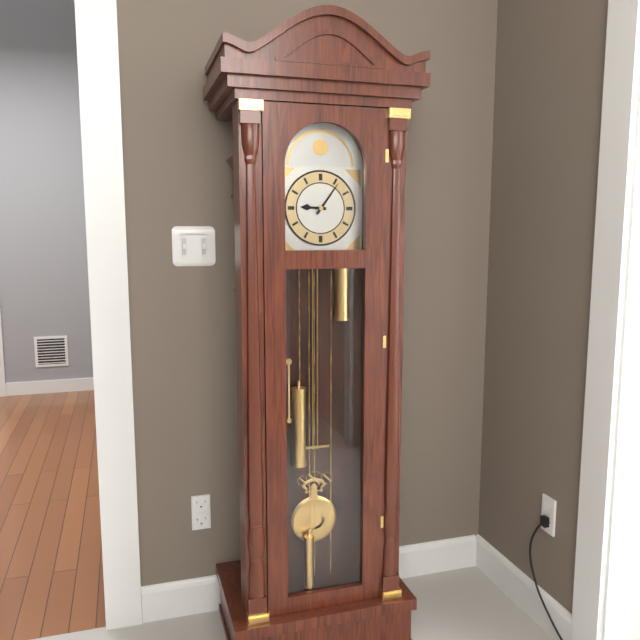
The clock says 9:06
